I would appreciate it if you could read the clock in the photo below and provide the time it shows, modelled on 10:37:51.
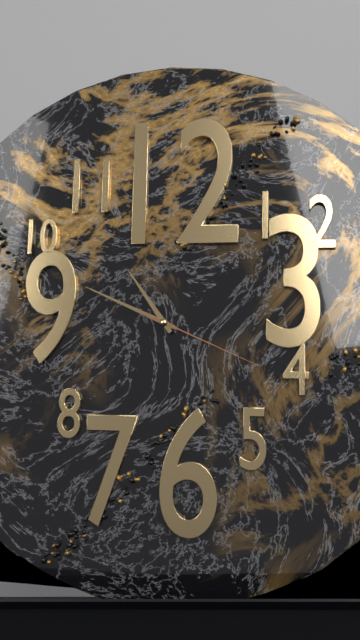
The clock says 10:49:19
